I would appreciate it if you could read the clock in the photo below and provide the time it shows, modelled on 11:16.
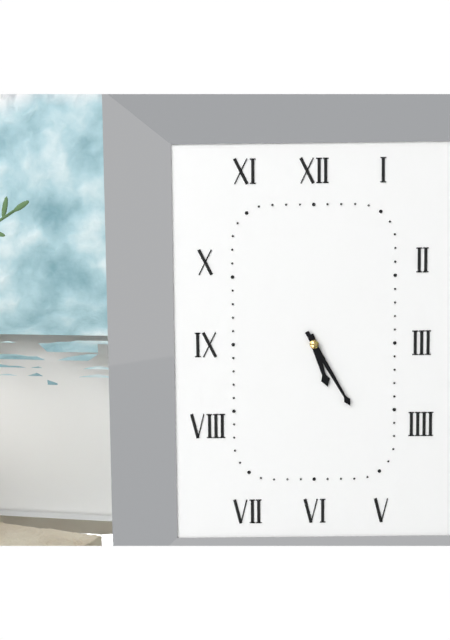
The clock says 5:25
